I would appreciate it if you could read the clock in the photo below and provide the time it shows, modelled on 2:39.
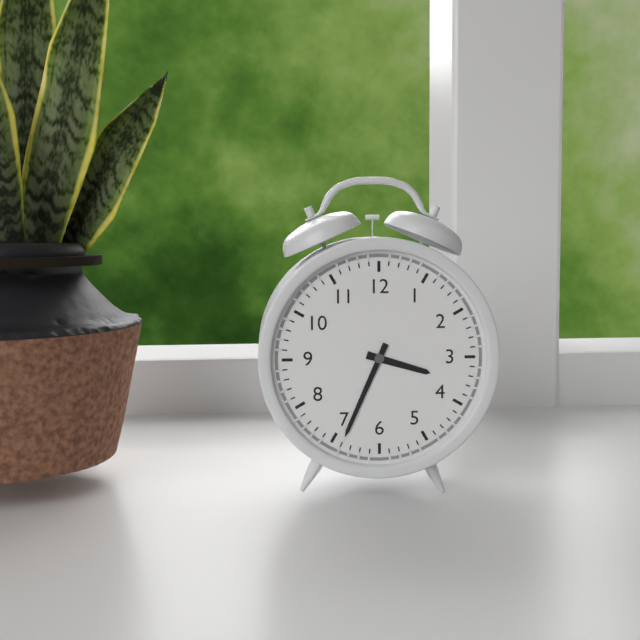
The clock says 3:34
